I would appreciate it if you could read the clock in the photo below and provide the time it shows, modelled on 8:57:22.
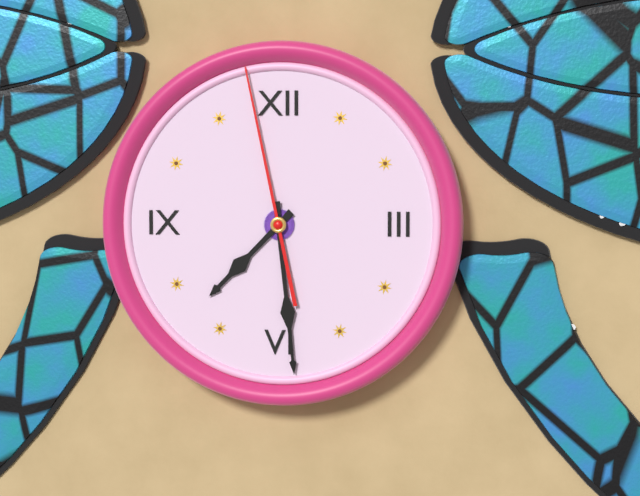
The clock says 7:29:58
